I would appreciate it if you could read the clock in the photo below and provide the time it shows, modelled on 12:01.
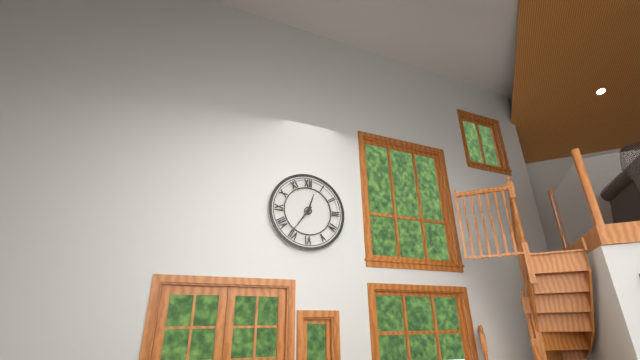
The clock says 12:36
